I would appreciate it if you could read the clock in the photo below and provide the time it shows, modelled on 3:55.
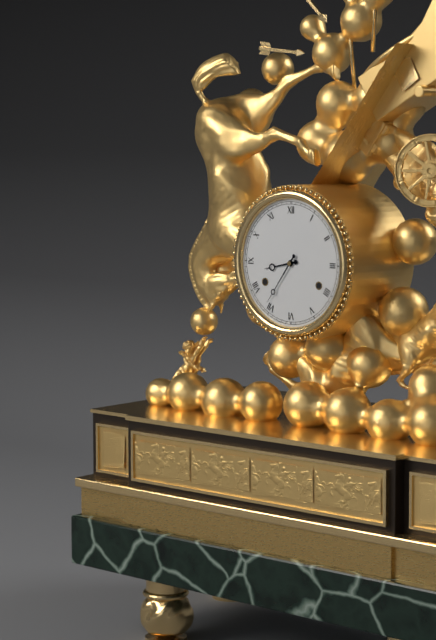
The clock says 8:36
